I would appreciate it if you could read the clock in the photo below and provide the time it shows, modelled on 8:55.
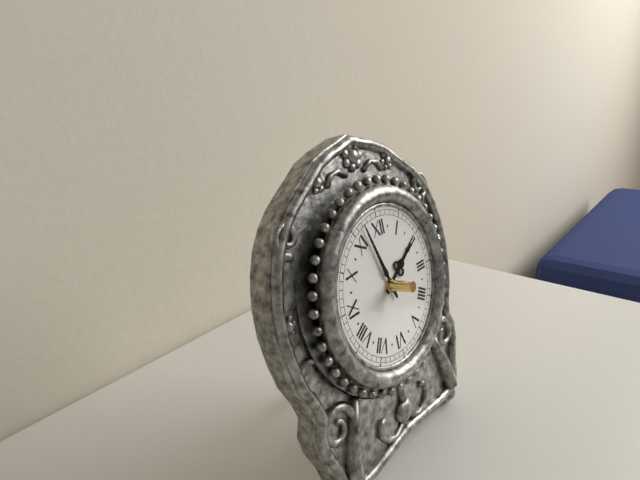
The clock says 1:57
